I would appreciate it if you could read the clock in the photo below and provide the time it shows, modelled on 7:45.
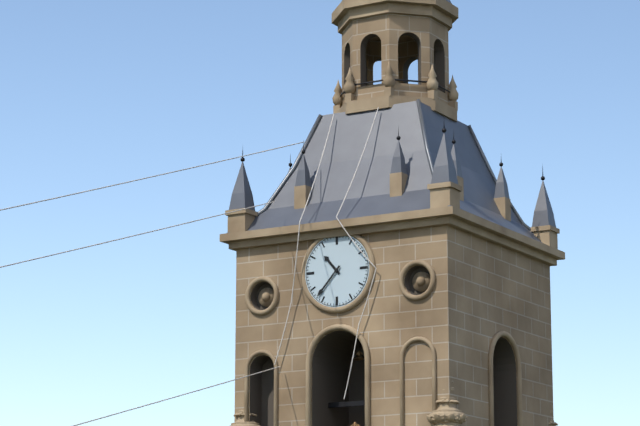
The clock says 10:37
